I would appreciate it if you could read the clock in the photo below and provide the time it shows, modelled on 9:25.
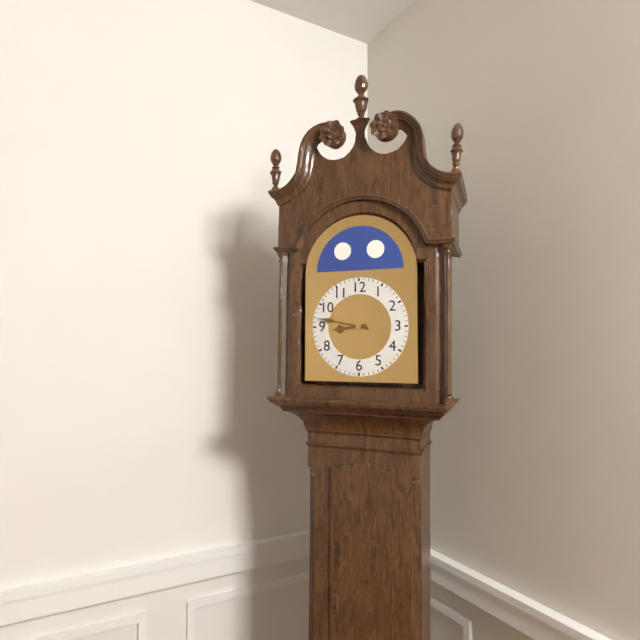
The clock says 8:47
